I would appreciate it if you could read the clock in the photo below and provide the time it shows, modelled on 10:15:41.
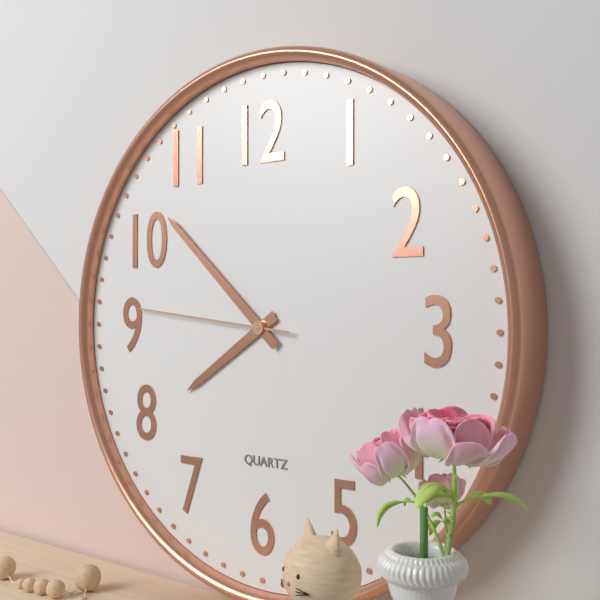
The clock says 7:52:46
